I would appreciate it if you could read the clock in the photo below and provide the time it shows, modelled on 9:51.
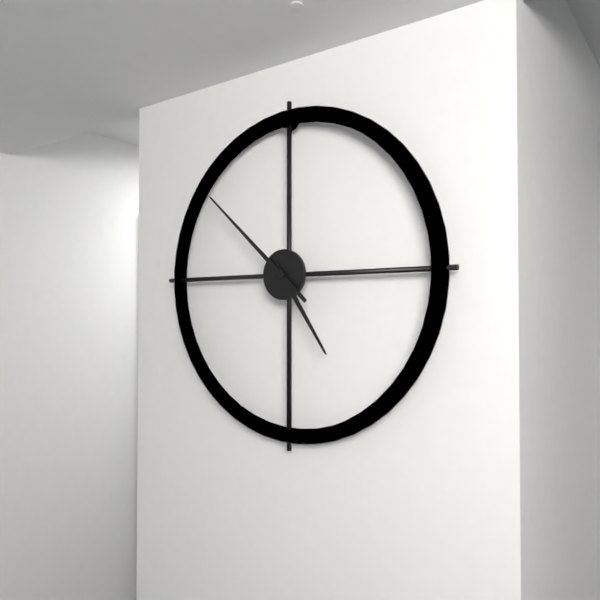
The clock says 4:52
